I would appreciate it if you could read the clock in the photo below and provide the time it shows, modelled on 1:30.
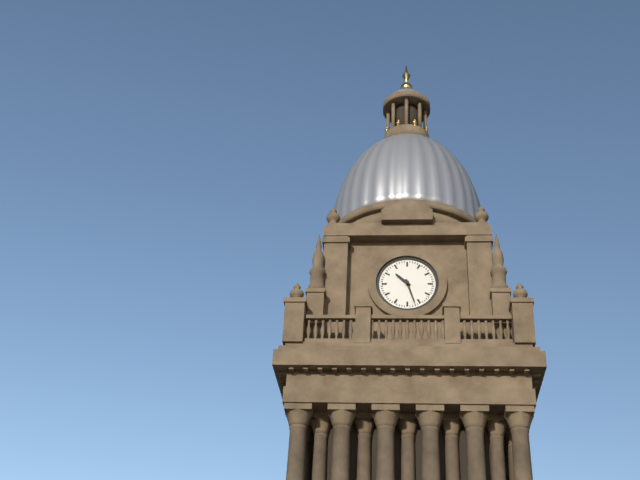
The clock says 10:27
